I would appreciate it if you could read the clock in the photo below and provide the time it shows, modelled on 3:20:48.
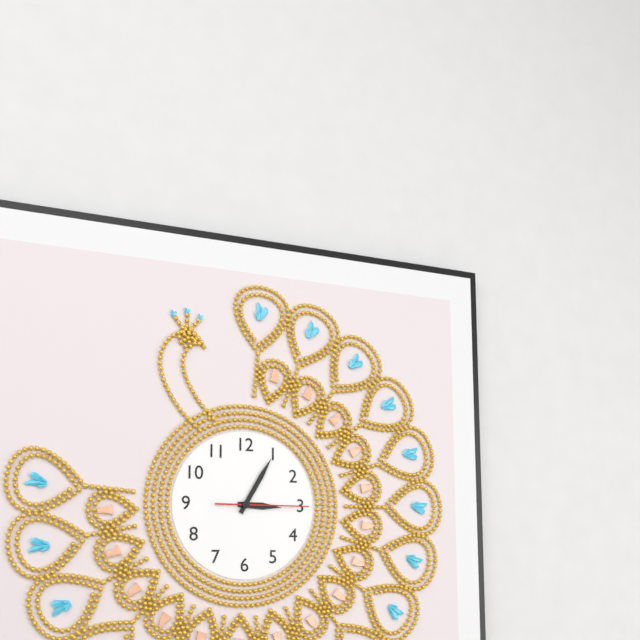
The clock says 3:05:15
